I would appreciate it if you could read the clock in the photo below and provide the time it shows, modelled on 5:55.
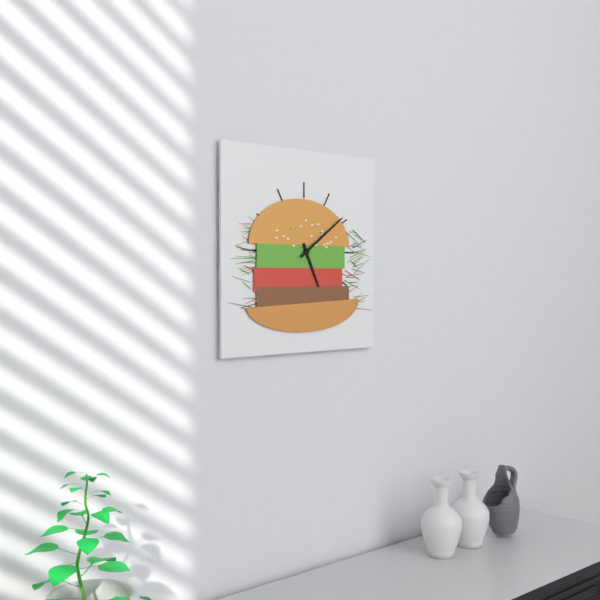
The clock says 5:09
